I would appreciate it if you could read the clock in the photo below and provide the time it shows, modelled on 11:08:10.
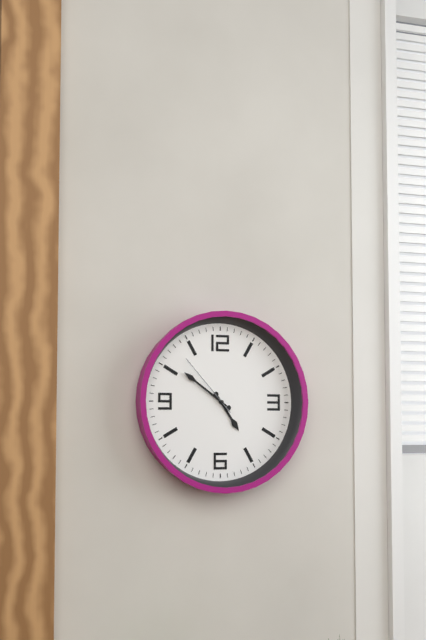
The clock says 4:51:53
